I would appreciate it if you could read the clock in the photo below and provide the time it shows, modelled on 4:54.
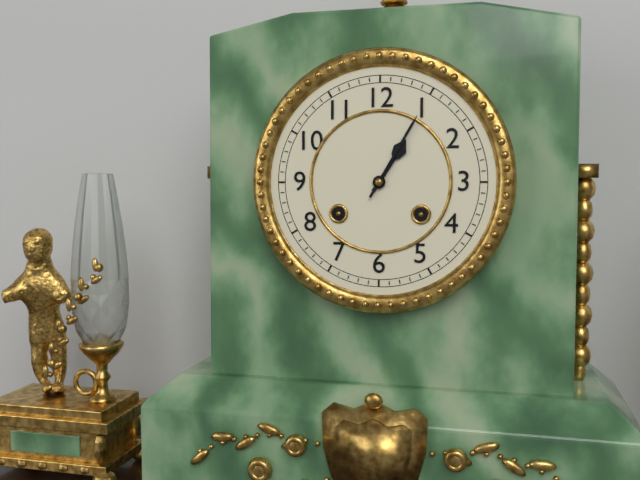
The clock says 1:05
